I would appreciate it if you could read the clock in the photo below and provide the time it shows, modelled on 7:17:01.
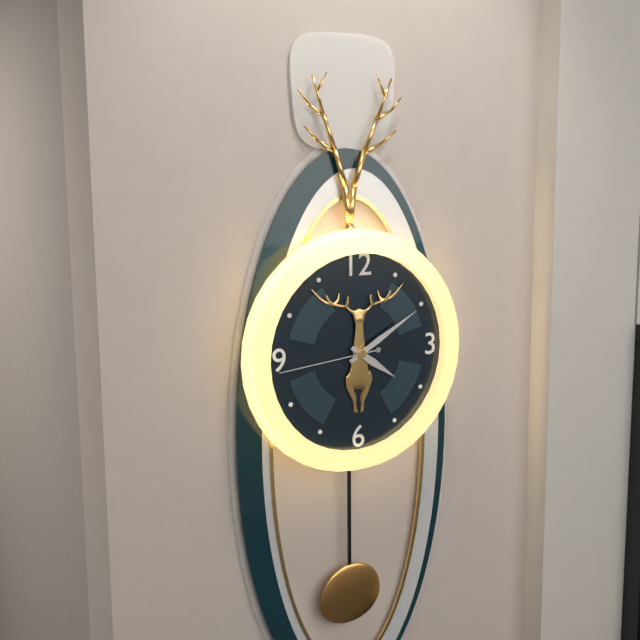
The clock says 4:10:44
